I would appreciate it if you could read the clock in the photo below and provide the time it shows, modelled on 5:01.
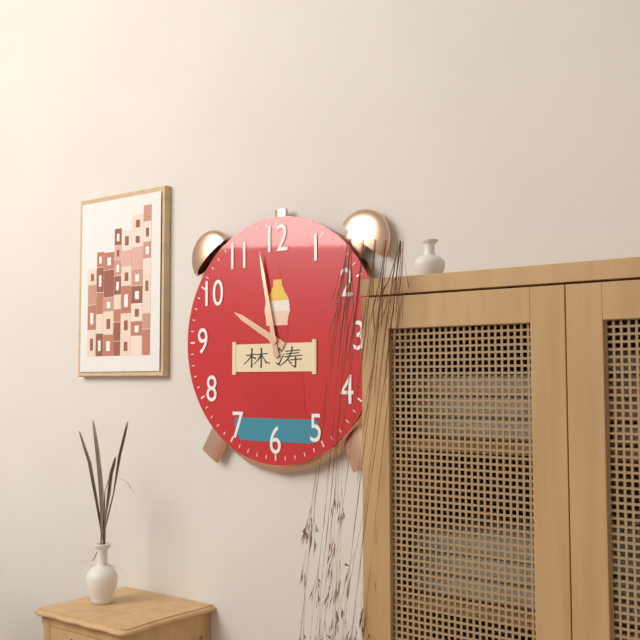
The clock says 9:58
